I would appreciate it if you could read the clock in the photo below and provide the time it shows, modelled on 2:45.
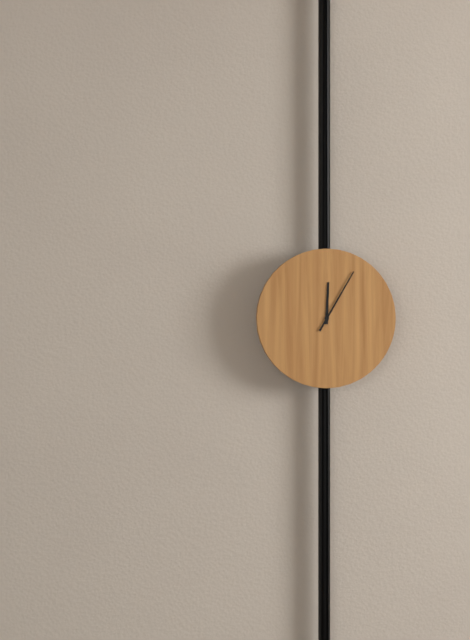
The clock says 12:05
